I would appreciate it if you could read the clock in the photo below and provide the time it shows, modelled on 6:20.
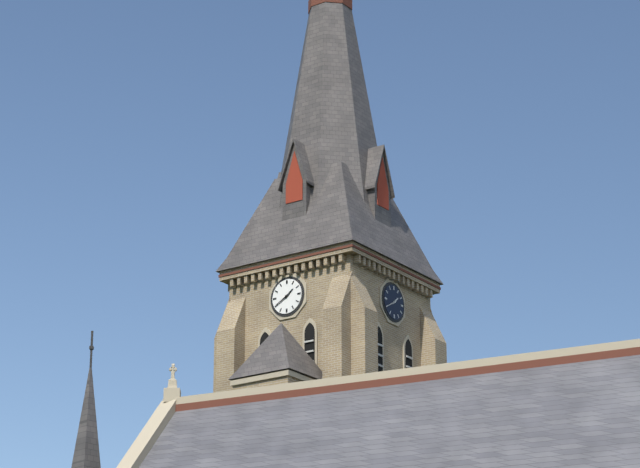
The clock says 1:40
